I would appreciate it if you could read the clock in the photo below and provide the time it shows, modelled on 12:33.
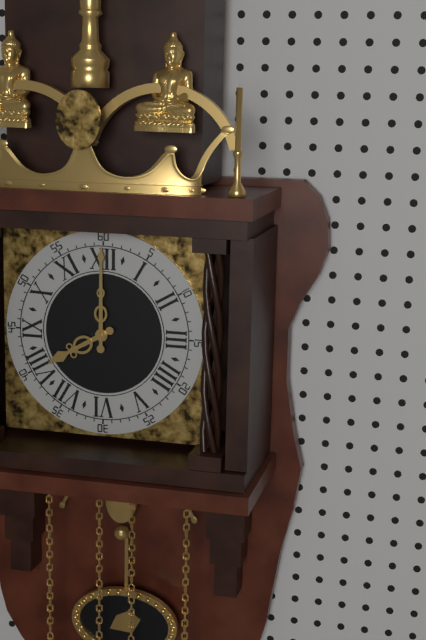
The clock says 8:00
